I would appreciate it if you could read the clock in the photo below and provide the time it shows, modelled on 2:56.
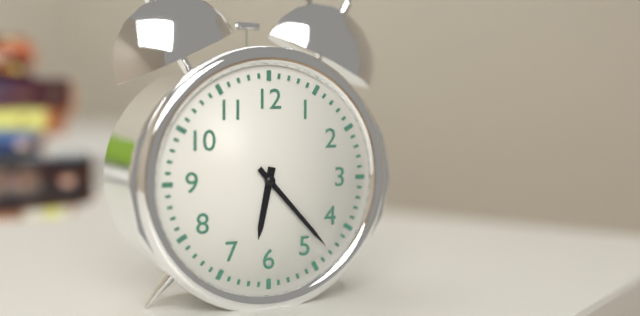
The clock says 6:23
